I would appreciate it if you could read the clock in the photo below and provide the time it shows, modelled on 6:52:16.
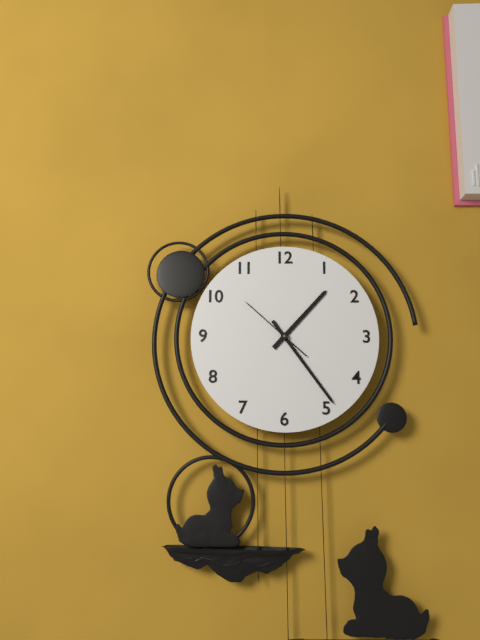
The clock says 1:24:52
